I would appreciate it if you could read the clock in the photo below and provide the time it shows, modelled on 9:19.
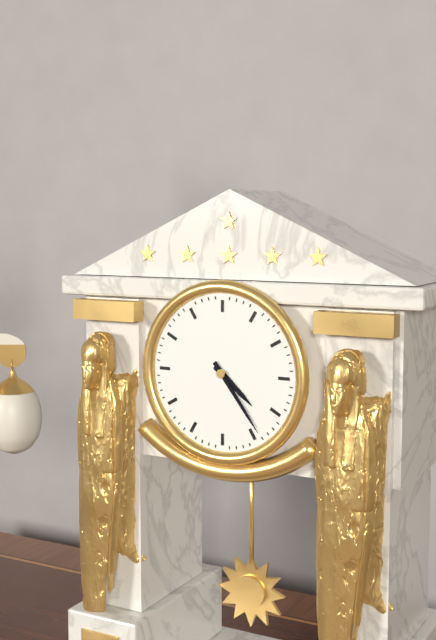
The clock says 4:24
